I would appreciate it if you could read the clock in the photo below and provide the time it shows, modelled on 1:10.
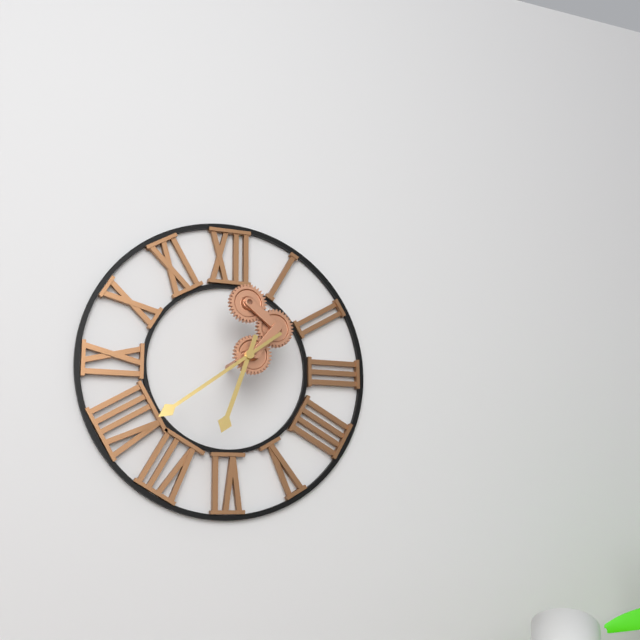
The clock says 6:39
